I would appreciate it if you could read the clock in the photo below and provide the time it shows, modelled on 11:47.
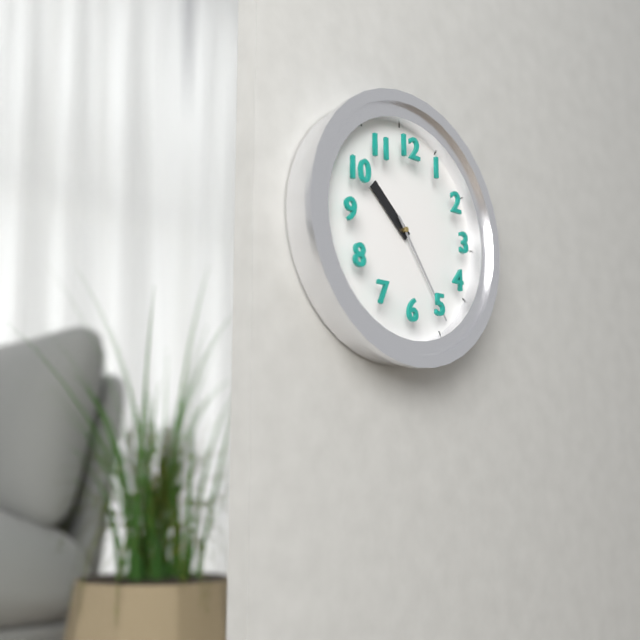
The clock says 10:24
